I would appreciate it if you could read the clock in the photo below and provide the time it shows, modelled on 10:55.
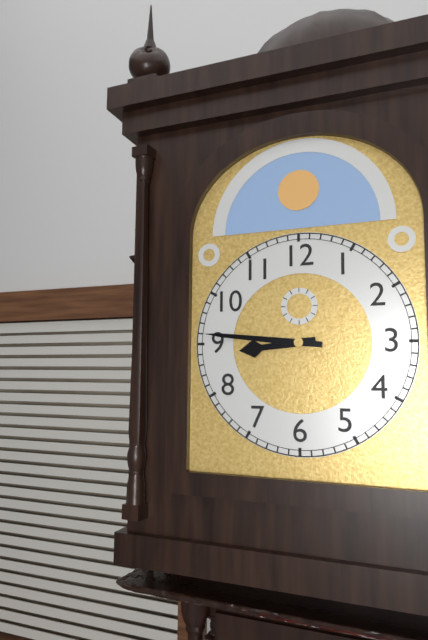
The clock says 8:46
